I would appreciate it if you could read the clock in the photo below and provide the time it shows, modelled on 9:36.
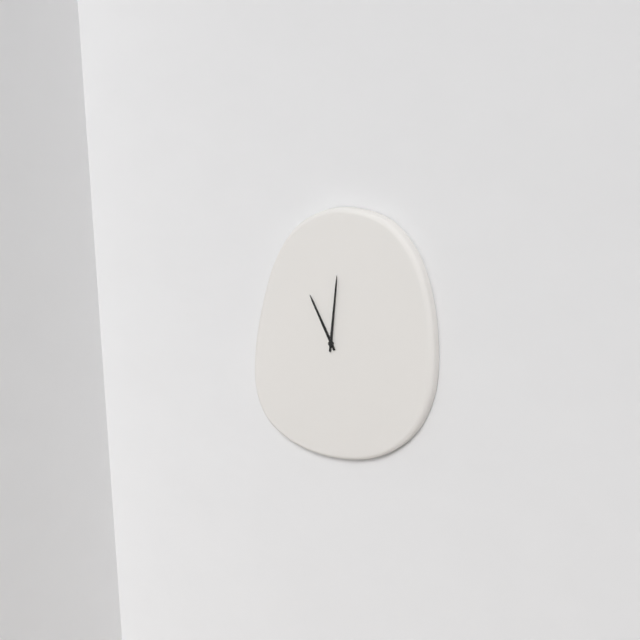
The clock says 11:01
